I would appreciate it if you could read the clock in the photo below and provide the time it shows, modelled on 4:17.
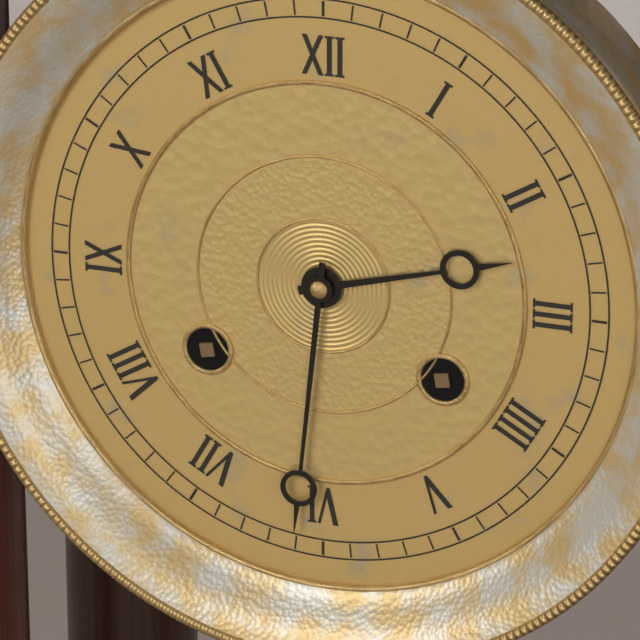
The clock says 2:31
